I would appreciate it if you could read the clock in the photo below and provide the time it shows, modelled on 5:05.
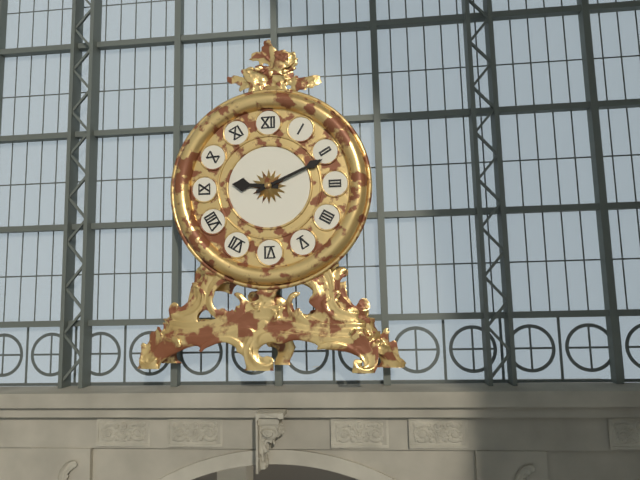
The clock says 9:11
